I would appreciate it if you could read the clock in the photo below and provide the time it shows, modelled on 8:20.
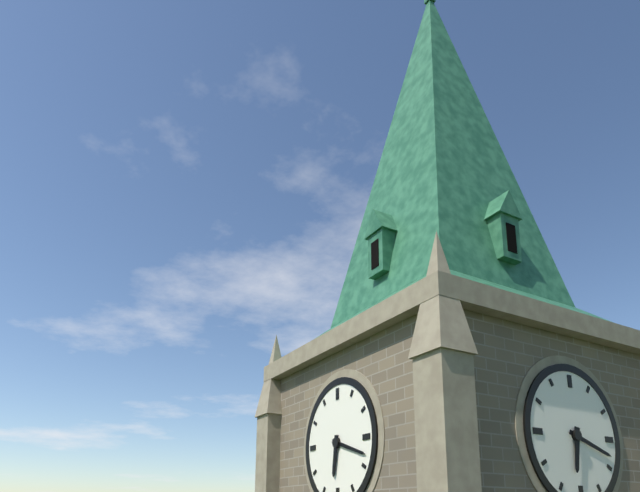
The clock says 6:18
